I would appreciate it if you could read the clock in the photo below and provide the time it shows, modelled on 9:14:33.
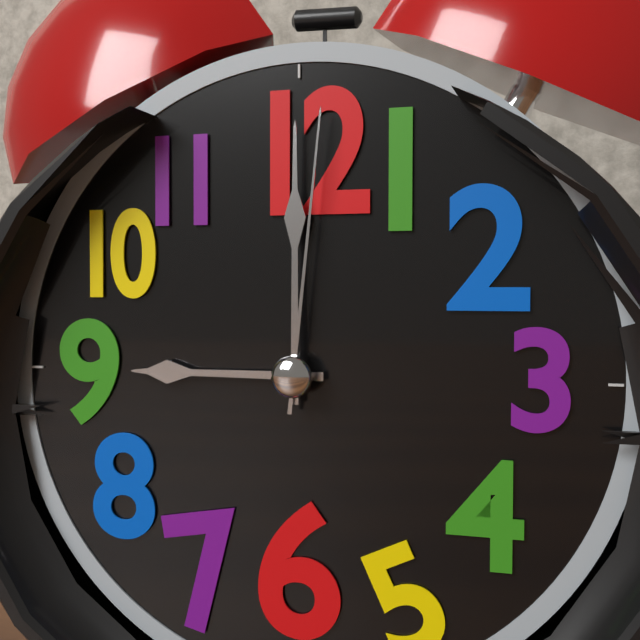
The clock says 9:00:01
